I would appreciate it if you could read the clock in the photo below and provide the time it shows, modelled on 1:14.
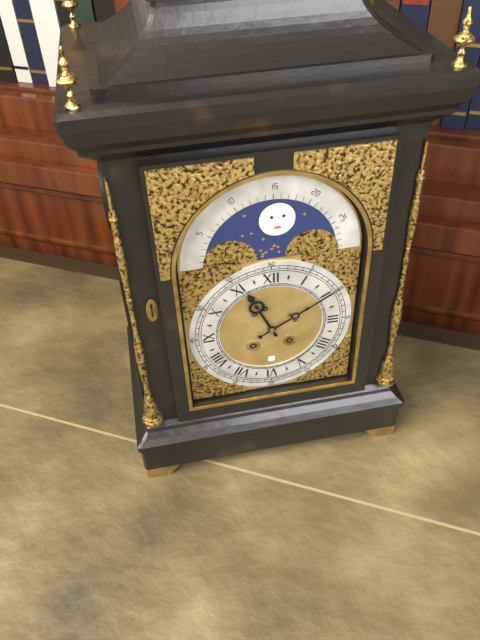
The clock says 11:10
